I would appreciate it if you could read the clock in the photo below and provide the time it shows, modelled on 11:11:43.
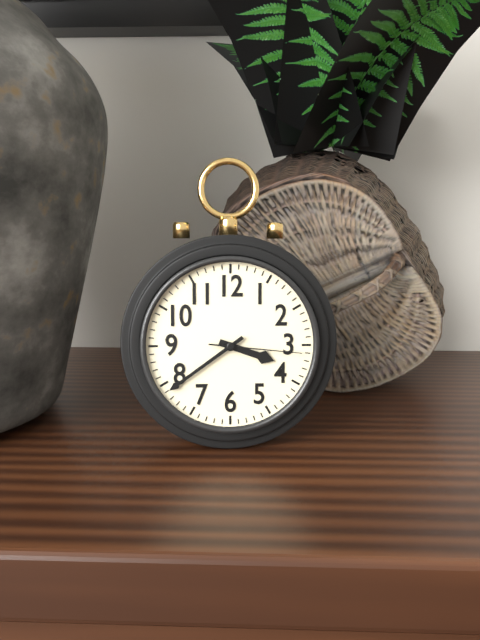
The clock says 3:39:16
